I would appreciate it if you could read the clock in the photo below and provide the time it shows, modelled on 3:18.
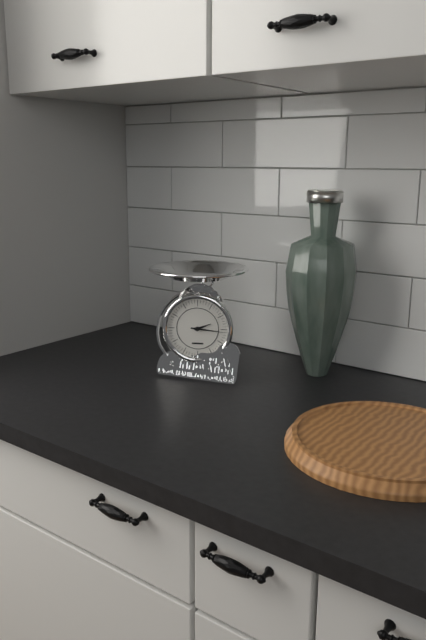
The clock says 2:16
